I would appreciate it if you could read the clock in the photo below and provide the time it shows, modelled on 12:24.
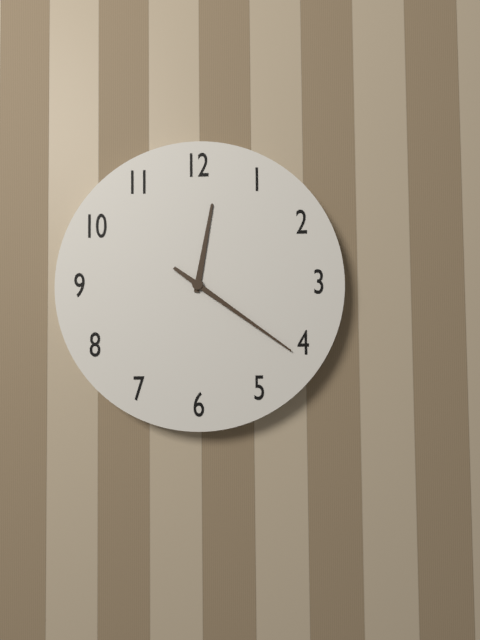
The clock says 12:21
